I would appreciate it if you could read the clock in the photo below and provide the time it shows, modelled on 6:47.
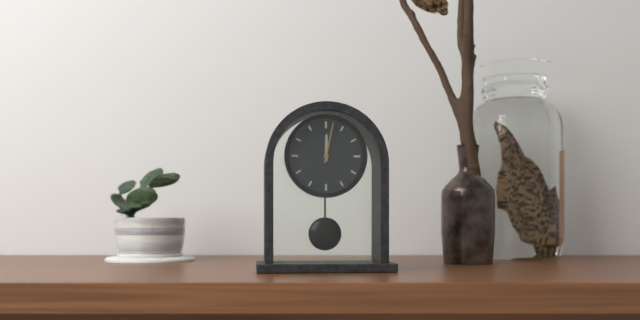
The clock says 12:02
